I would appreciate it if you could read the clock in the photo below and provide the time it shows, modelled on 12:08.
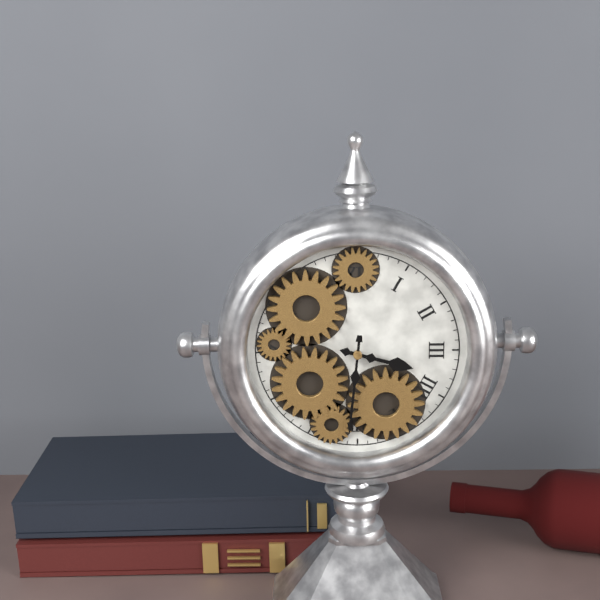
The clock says 3:31
